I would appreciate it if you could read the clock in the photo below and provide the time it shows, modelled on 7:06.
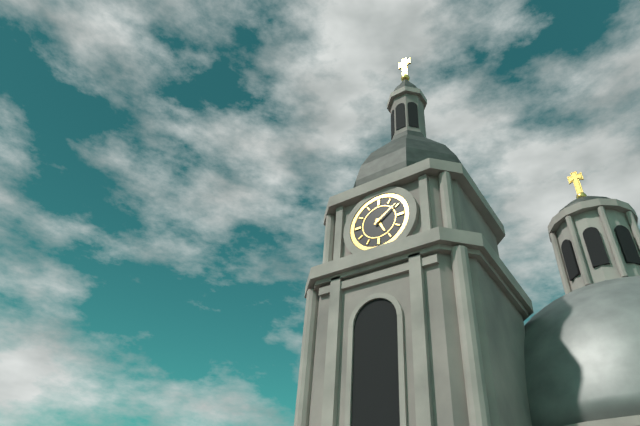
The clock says 5:09
